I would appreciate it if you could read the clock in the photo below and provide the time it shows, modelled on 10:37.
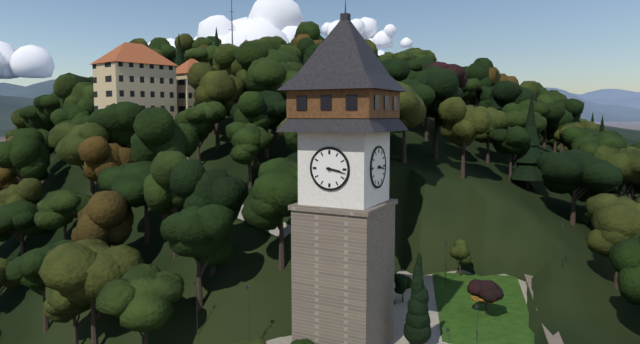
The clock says 3:17
